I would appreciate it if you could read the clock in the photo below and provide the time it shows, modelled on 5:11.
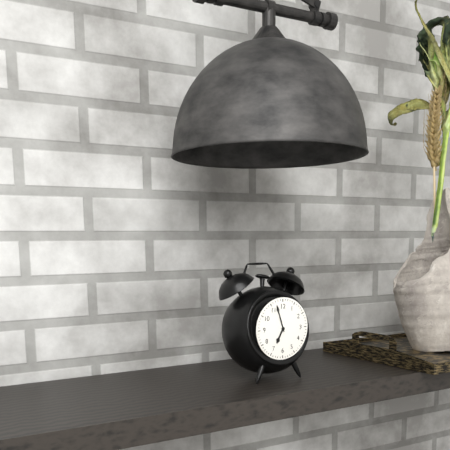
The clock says 6:57
